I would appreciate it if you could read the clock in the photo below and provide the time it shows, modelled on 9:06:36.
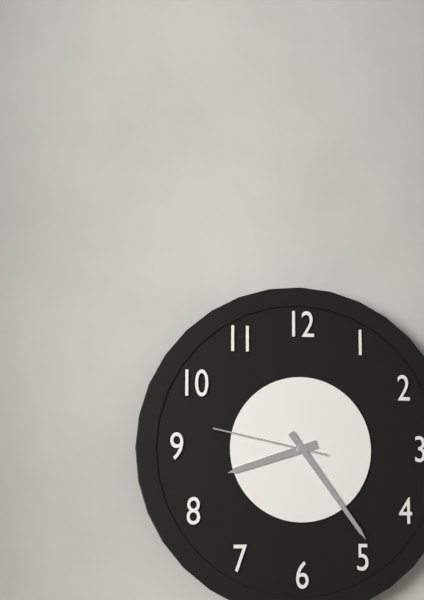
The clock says 8:24:47
